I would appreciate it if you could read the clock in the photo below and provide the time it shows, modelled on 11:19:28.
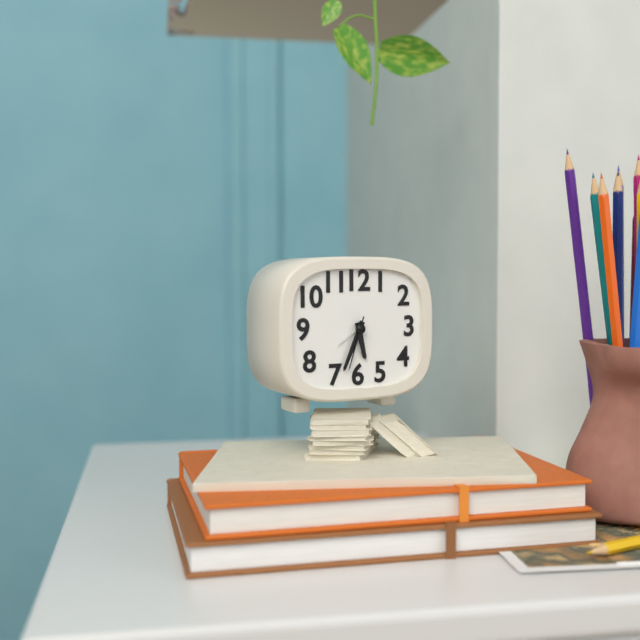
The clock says 5:34:33
